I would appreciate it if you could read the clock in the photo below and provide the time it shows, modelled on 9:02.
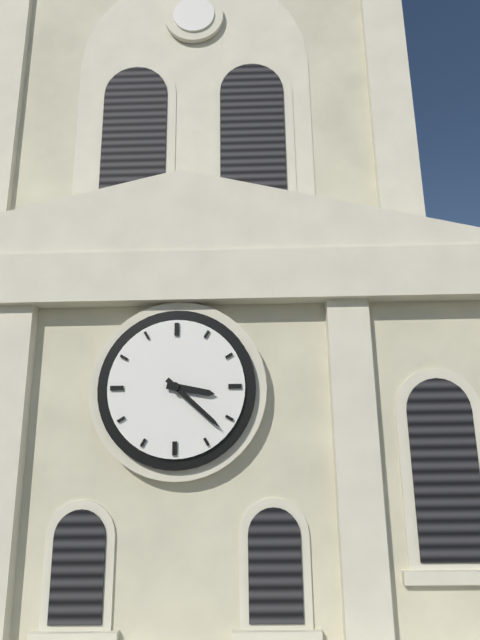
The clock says 3:22
